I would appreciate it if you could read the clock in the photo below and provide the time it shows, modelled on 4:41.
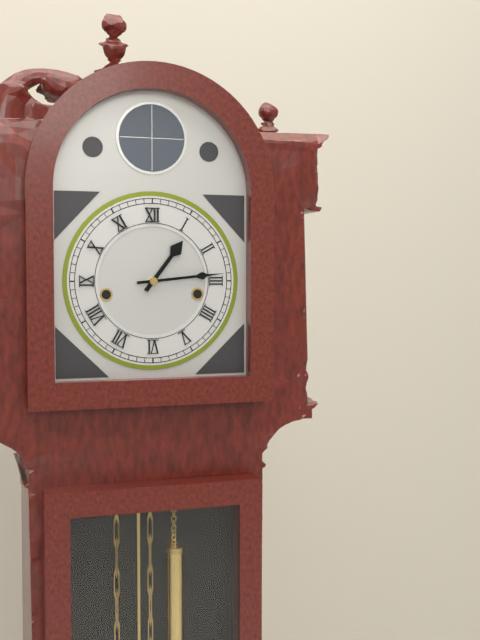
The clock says 1:14
